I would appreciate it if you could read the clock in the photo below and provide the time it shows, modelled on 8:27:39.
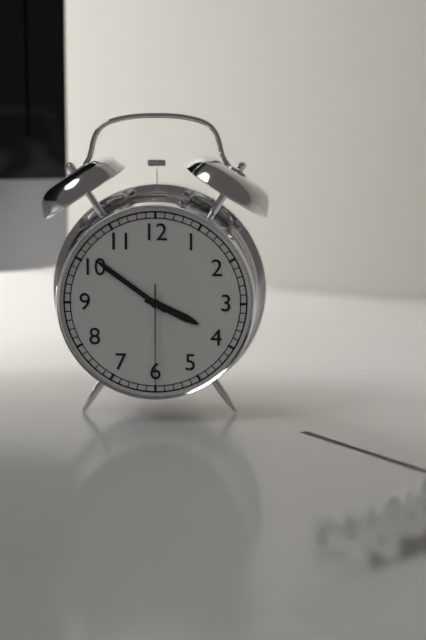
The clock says 3:51:30
